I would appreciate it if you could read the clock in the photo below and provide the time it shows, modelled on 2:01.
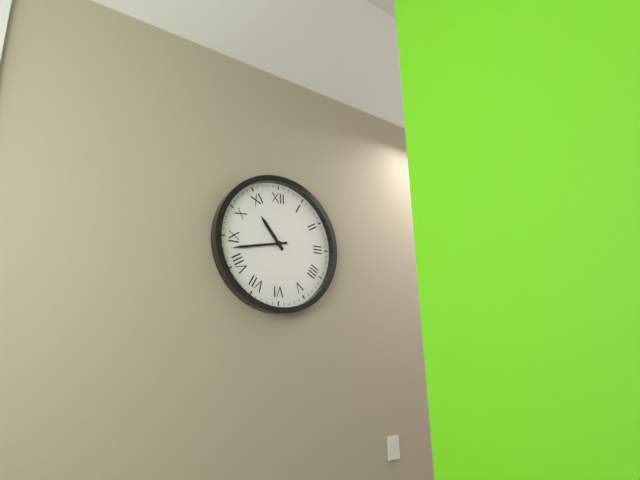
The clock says 10:43
